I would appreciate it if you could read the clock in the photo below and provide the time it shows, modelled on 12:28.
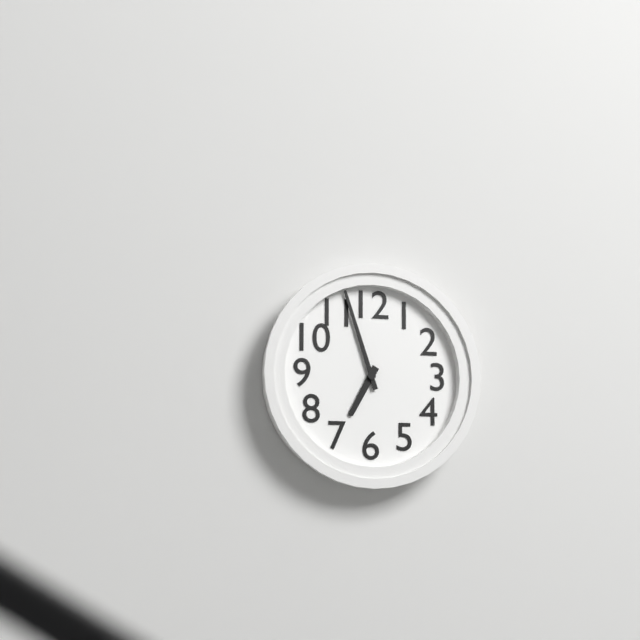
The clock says 6:57
